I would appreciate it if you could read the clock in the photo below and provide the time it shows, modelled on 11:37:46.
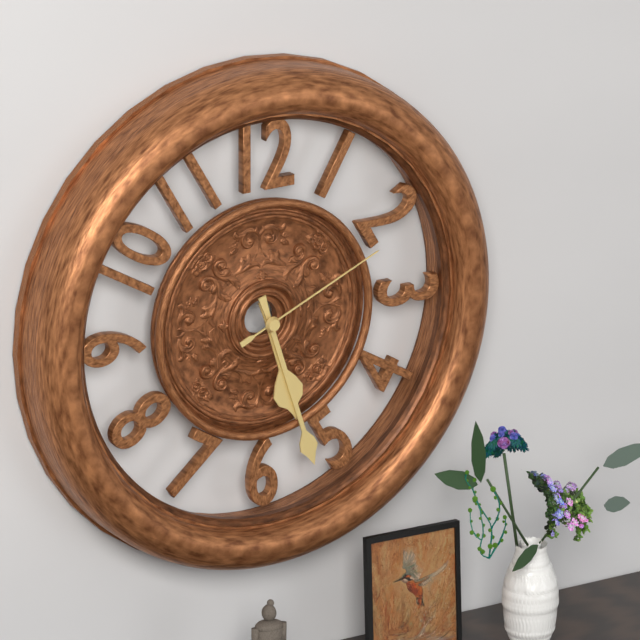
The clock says 5:27:11
